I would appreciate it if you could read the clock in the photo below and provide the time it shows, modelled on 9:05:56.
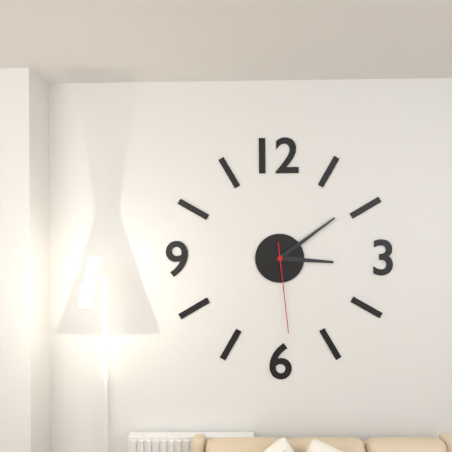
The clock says 3:09:29
